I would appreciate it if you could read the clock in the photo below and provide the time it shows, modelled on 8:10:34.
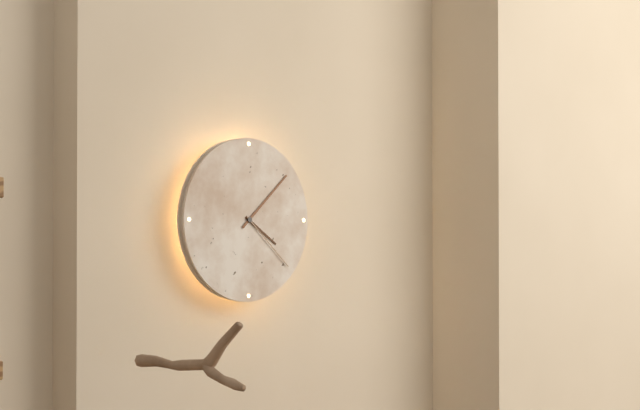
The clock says 4:08:22
